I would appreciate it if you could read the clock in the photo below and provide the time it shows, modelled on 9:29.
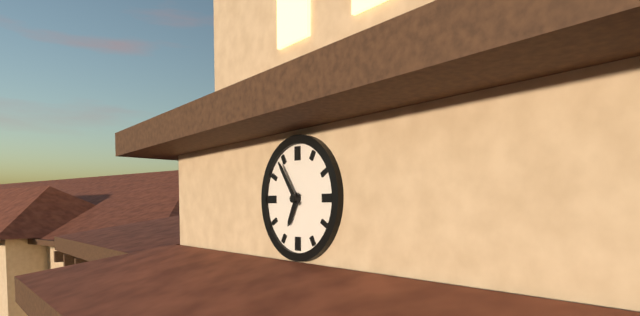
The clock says 6:54
